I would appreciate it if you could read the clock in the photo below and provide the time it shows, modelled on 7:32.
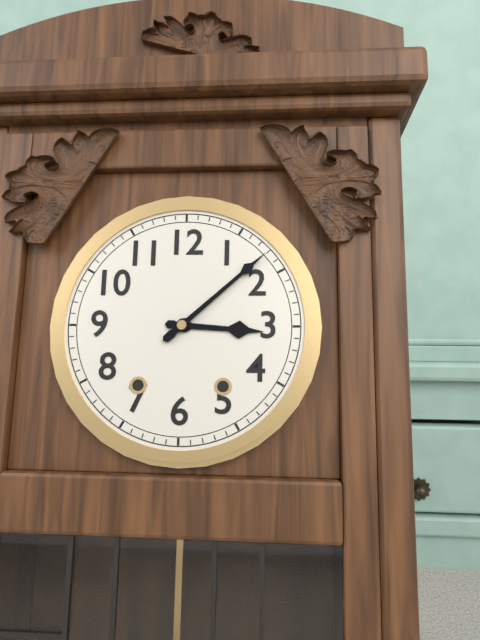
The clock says 3:08
